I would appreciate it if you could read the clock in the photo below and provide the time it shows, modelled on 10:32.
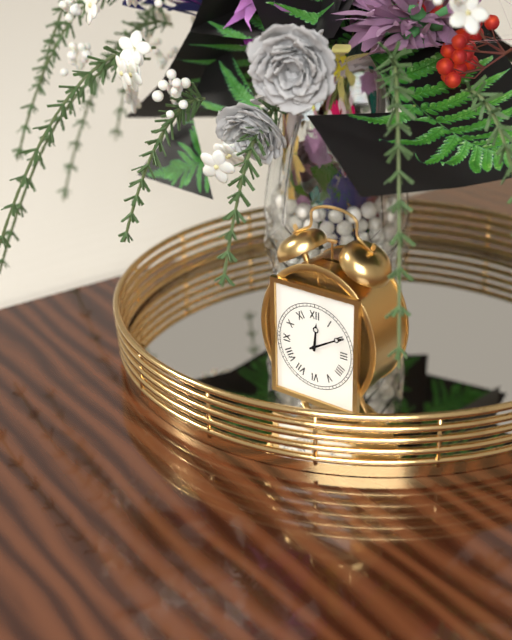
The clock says 12:10
